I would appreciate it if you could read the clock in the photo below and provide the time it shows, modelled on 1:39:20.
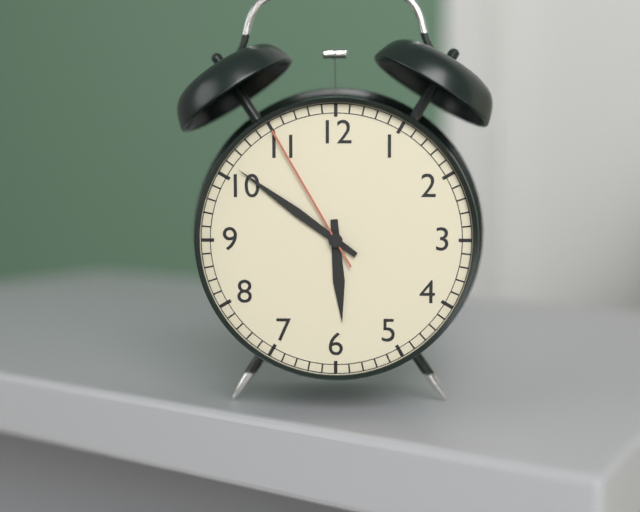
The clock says 5:51:55
